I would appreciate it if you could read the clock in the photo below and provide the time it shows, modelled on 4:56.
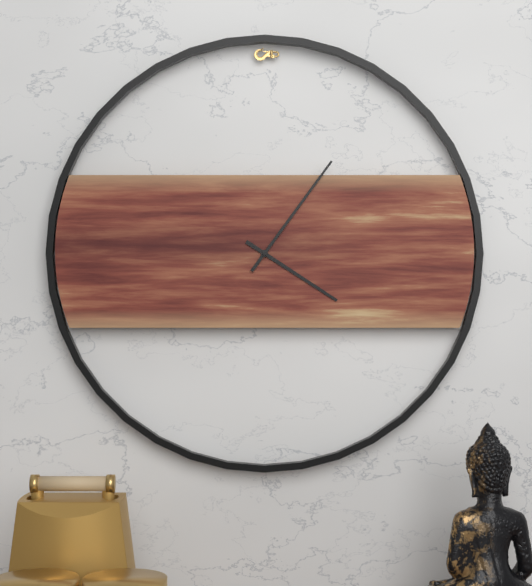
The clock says 4:06
